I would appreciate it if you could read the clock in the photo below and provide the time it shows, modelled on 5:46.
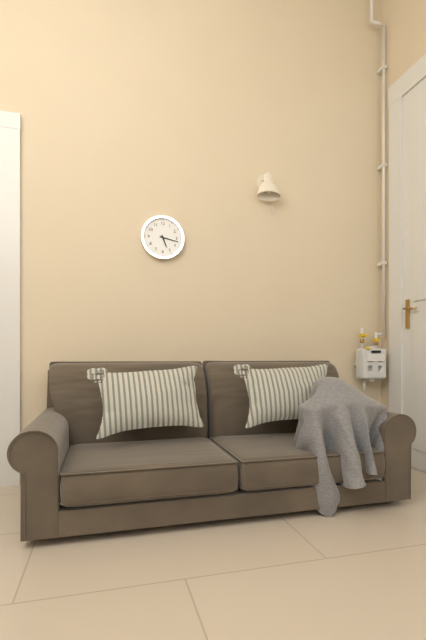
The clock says 5:17
